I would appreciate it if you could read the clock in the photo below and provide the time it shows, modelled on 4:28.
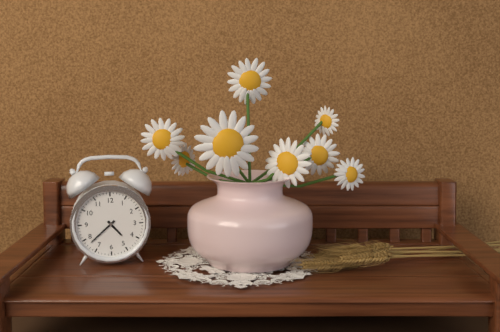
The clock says 4:38
